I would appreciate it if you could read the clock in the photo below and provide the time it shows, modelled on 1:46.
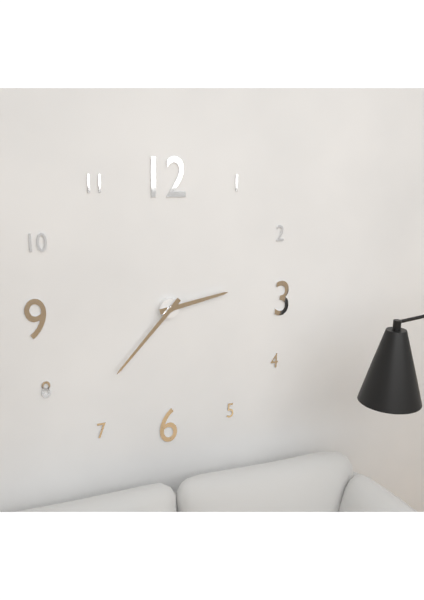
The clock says 2:37
